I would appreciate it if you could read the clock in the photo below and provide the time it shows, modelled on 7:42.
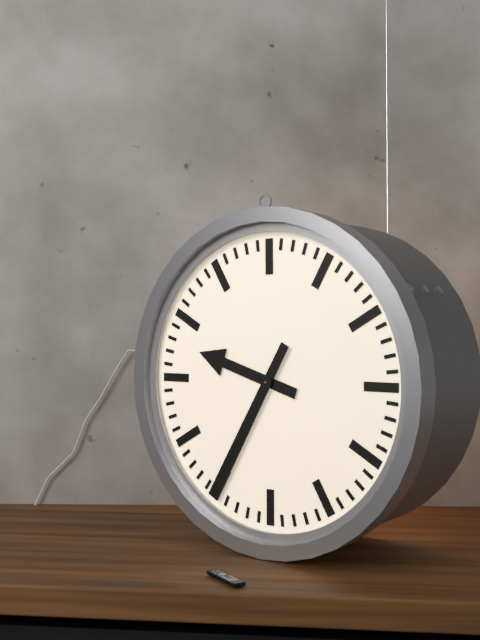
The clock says 9:35
